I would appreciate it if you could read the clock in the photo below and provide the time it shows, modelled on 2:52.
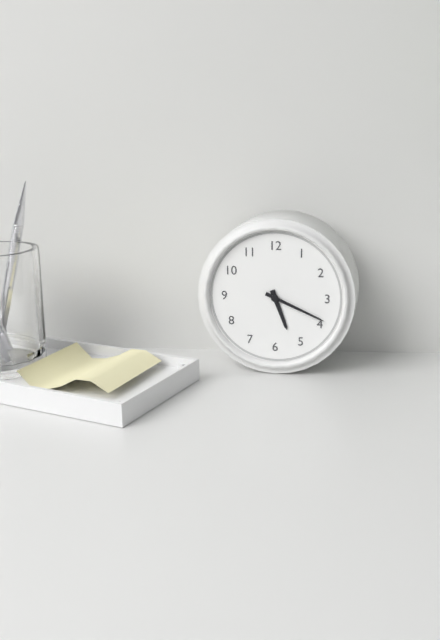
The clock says 5:19
